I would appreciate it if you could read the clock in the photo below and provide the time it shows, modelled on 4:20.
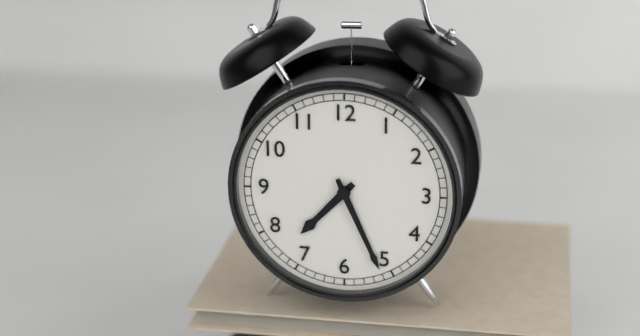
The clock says 7:26
